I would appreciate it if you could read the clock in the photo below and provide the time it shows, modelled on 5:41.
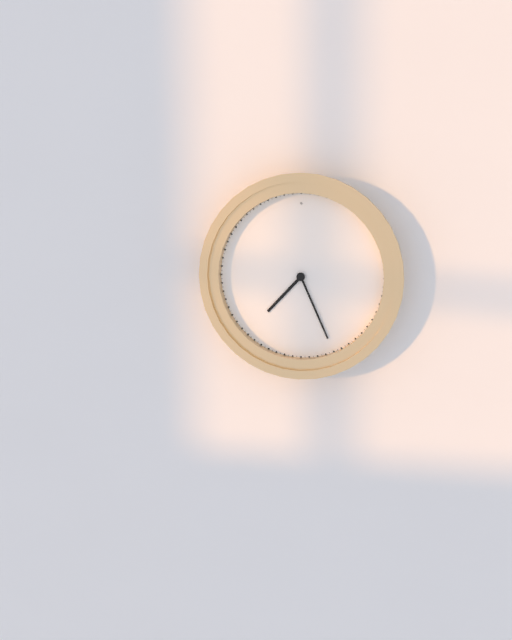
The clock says 7:26
